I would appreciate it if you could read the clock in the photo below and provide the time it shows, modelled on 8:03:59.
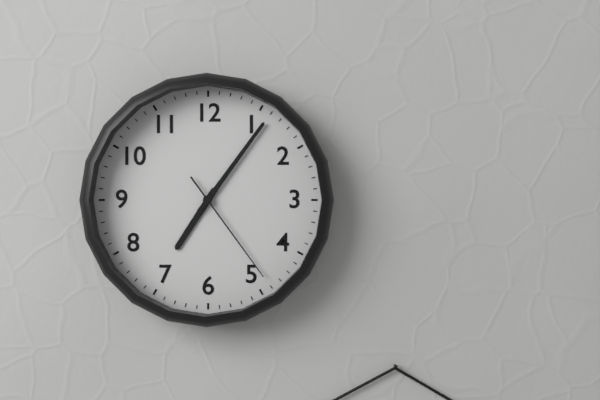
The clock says 7:06:24
